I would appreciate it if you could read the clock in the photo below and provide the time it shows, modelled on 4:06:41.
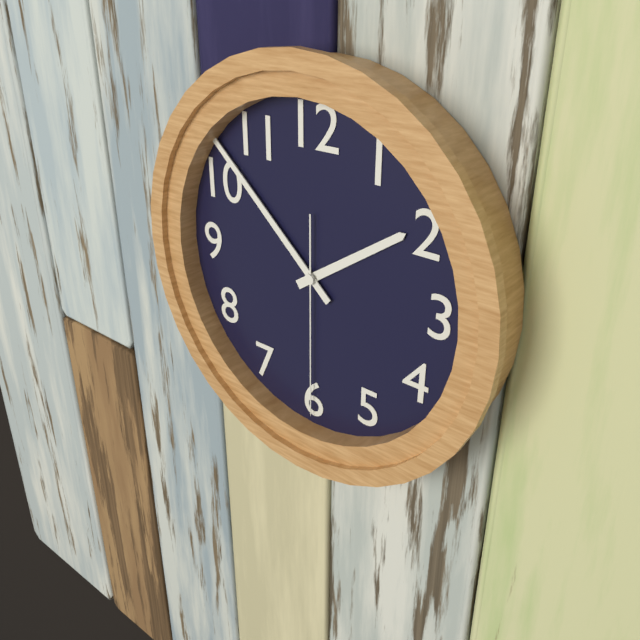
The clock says 1:52:30
